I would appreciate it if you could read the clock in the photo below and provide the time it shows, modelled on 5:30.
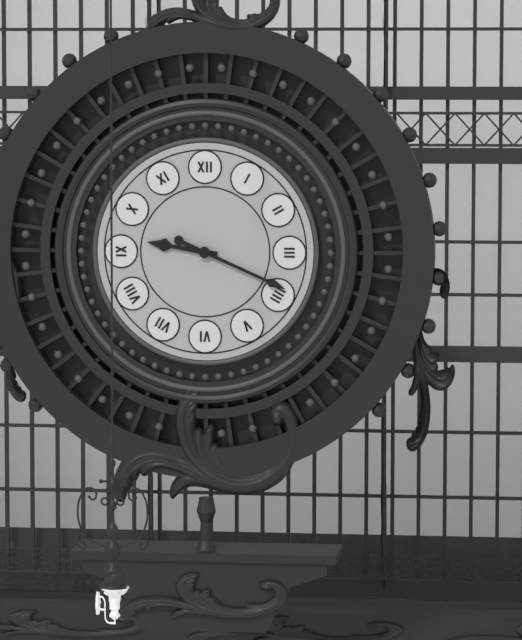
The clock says 9:19
